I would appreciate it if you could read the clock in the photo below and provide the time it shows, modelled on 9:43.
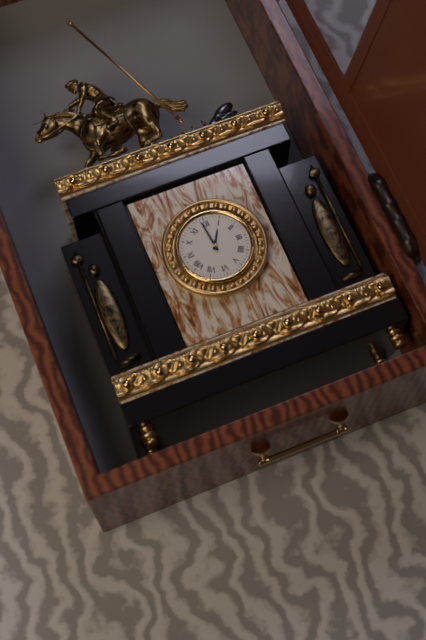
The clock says 12:59
